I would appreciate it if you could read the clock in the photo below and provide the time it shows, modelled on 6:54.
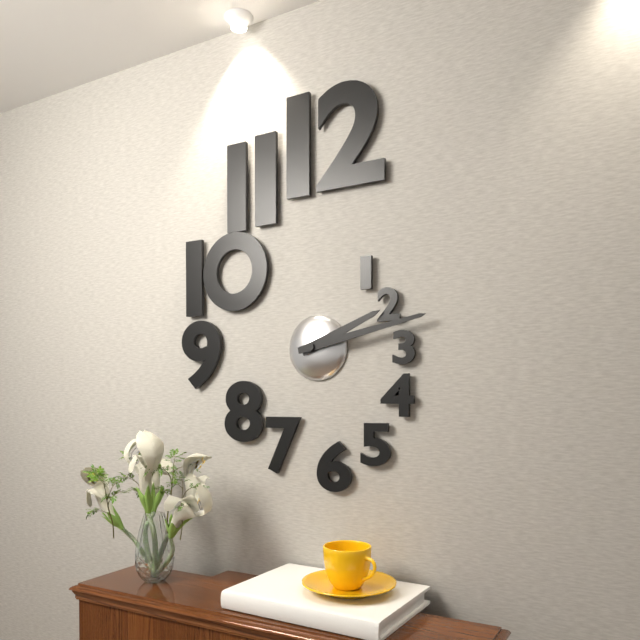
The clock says 2:13
